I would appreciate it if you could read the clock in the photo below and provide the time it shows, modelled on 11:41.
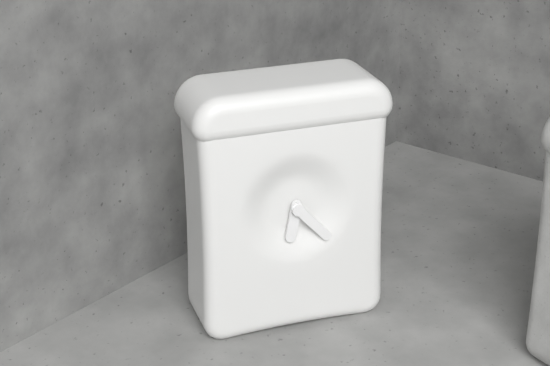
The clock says 6:23
